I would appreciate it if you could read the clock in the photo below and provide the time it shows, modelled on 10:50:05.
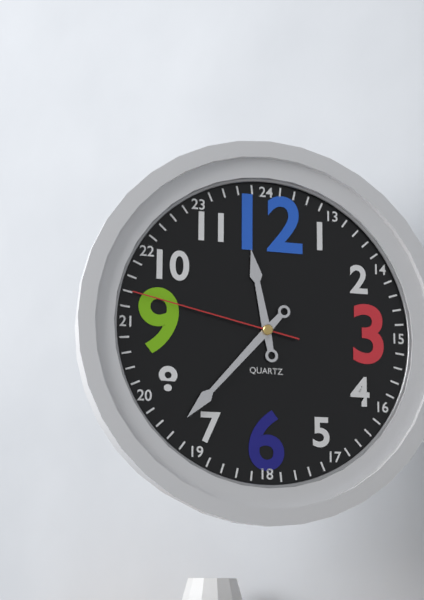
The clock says 11:37:47
